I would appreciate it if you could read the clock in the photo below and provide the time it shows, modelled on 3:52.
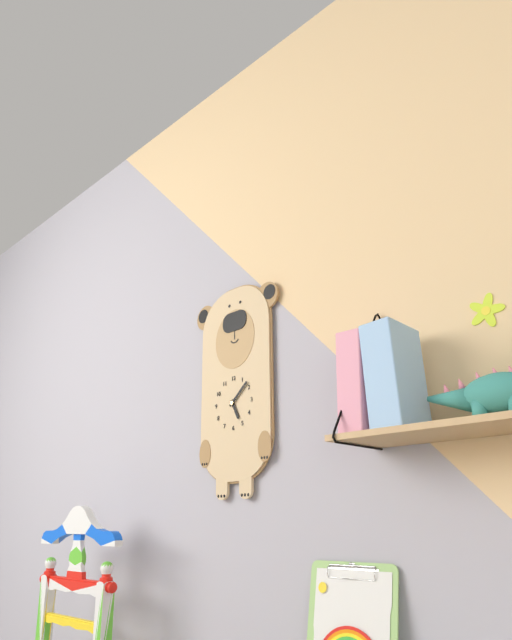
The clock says 5:08
